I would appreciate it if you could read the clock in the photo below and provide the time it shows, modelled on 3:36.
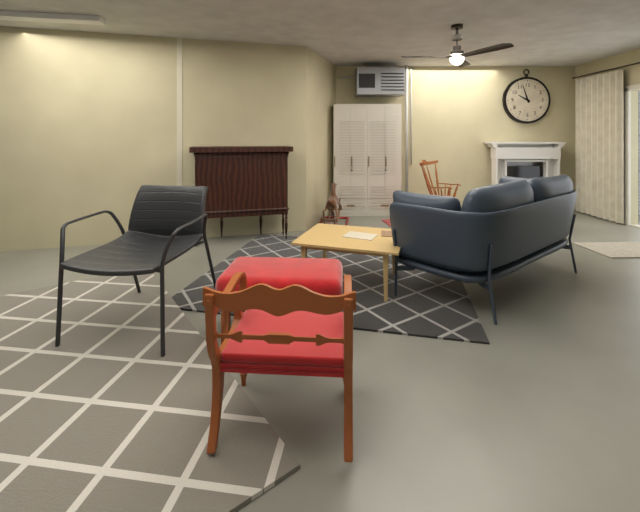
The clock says 9:57
